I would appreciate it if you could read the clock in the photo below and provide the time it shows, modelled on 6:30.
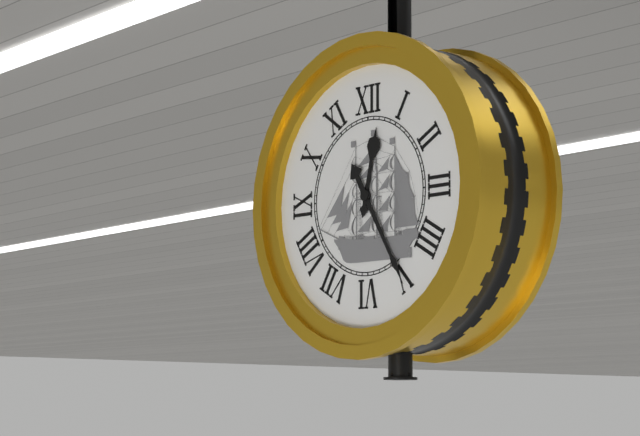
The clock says 12:25
